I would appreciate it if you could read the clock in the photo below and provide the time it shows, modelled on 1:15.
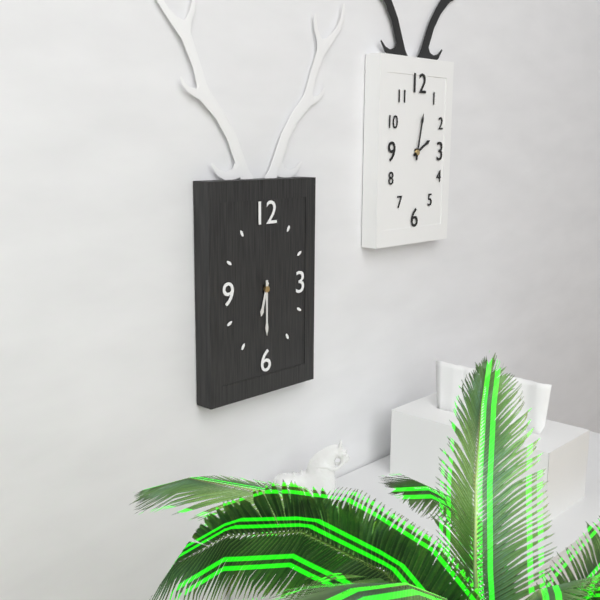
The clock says 6:30
